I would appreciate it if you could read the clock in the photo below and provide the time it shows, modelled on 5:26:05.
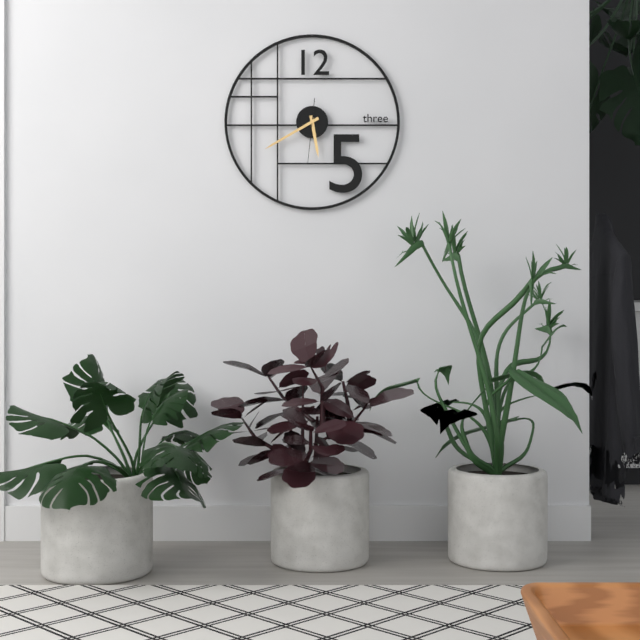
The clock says 5:40:31
